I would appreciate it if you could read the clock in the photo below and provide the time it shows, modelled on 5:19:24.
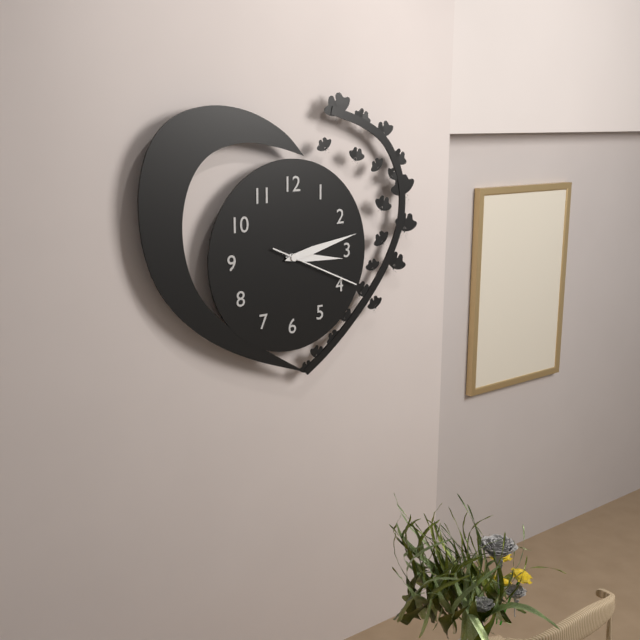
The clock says 3:13:19
